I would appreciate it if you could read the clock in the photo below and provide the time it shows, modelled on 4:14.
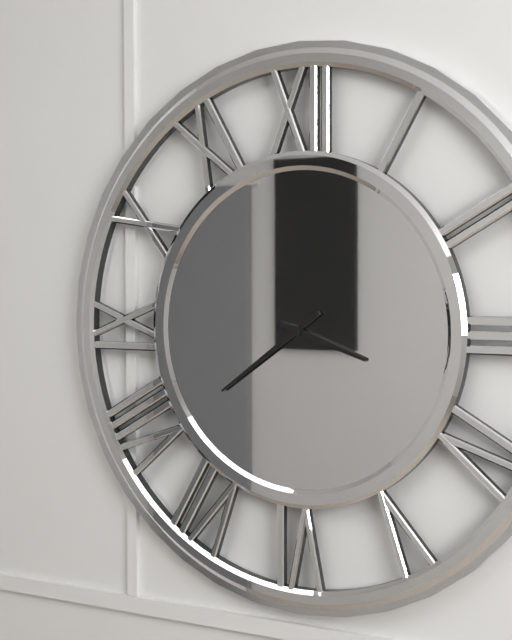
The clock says 3:39
